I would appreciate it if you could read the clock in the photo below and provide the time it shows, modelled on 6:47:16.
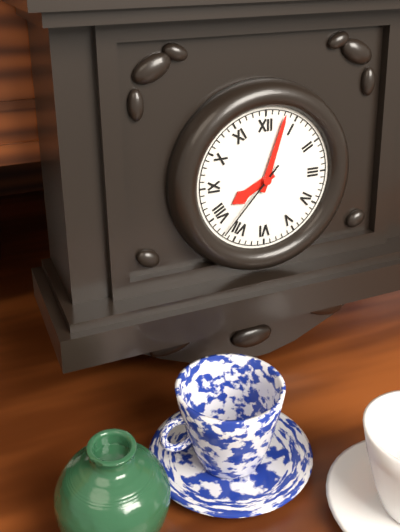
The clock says 8:03:37
